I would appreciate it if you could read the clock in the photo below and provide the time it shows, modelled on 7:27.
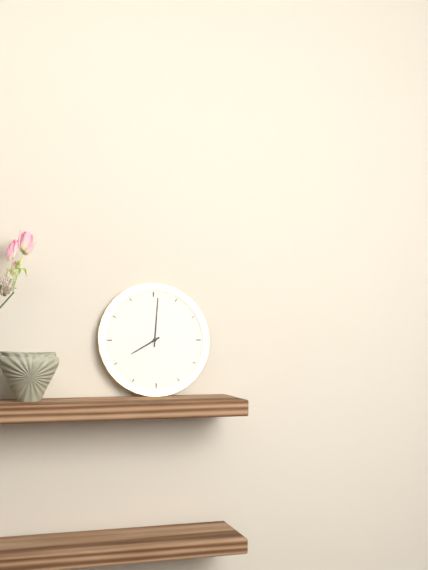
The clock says 8:01
